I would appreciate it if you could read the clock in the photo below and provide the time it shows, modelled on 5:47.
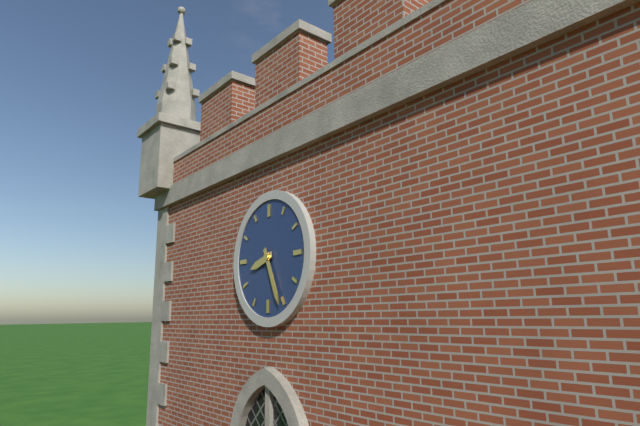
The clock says 8:26
